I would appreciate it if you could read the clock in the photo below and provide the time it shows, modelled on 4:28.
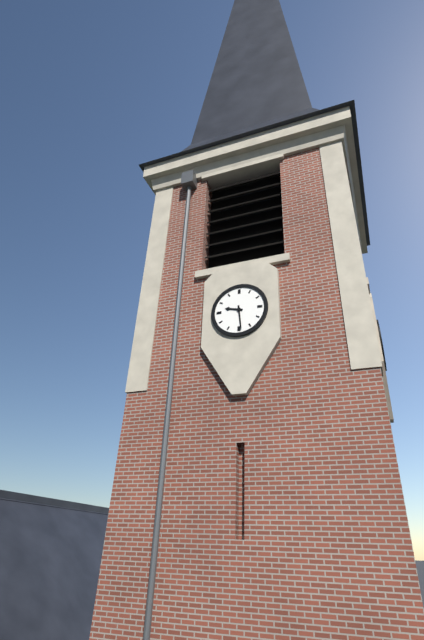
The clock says 9:29
